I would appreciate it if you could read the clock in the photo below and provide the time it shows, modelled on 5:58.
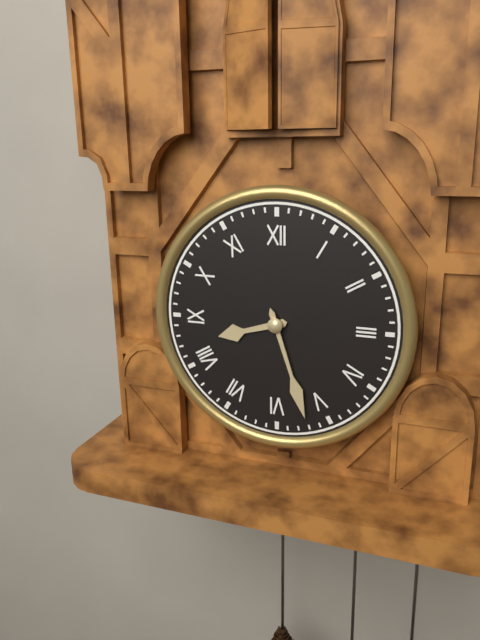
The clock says 8:27
